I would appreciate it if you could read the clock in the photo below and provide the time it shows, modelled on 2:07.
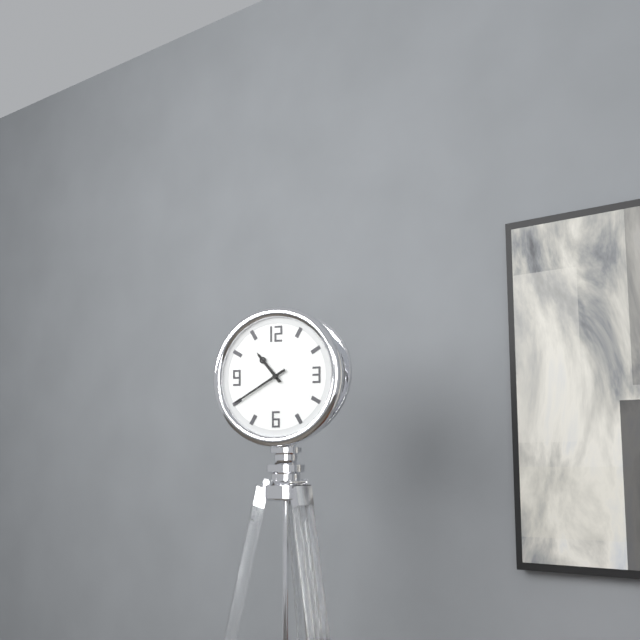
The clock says 10:40
